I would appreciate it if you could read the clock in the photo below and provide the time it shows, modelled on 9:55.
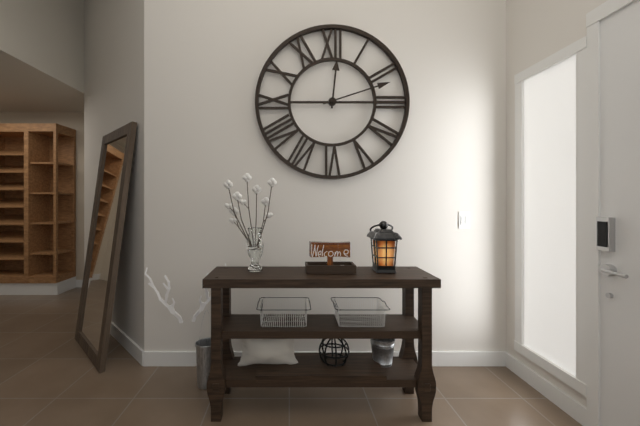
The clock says 12:12
